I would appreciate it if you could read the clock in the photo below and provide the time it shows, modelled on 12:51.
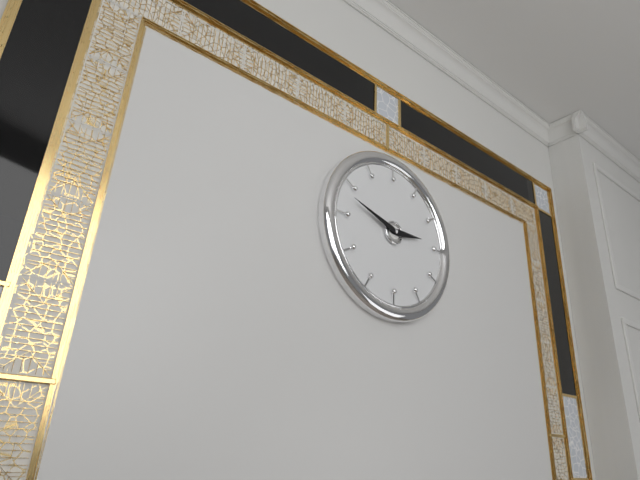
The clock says 2:48
